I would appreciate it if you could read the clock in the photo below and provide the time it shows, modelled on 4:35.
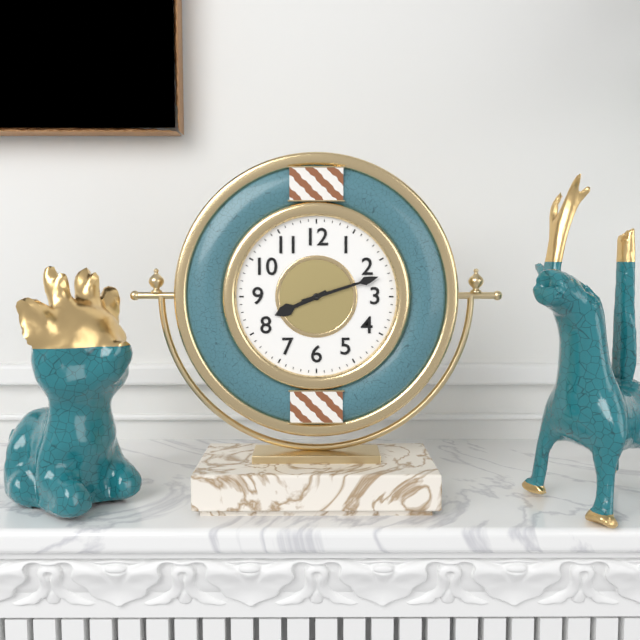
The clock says 8:12
